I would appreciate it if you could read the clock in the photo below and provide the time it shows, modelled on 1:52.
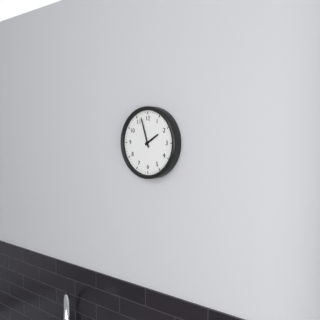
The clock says 1:57
